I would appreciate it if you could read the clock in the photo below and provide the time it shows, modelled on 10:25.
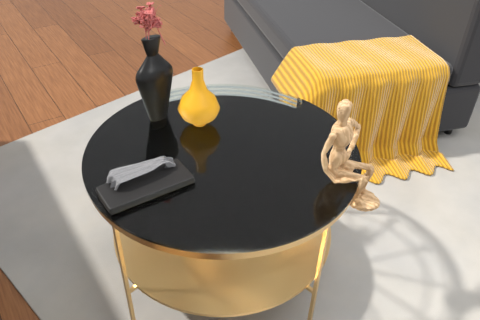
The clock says 9:37
